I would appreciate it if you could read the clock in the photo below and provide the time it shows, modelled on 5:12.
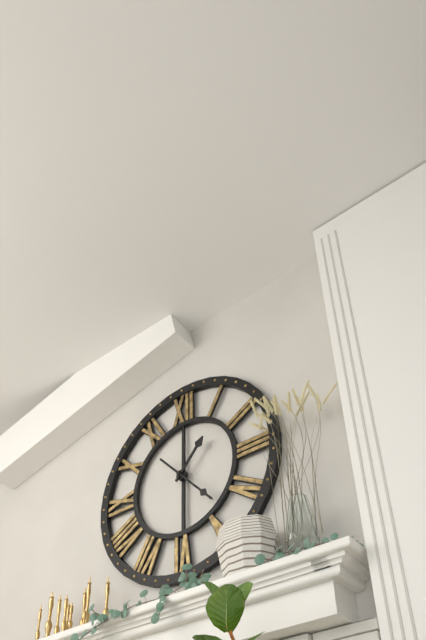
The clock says 1:23
